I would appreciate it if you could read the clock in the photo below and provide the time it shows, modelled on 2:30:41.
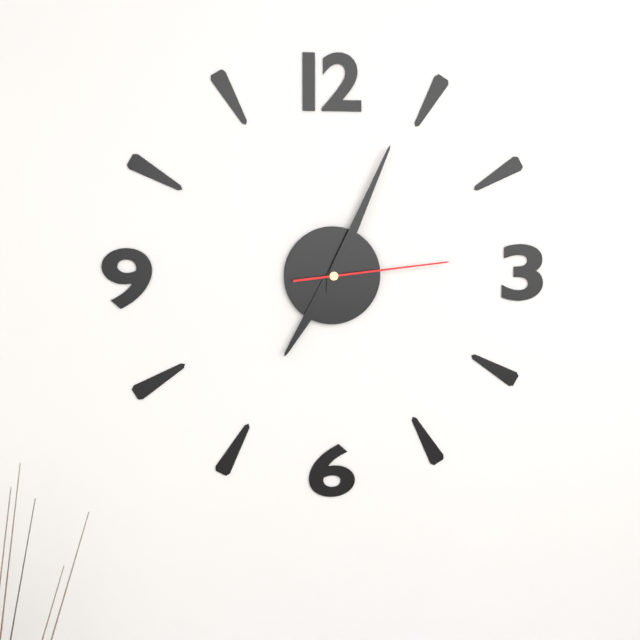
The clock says 7:04:14
